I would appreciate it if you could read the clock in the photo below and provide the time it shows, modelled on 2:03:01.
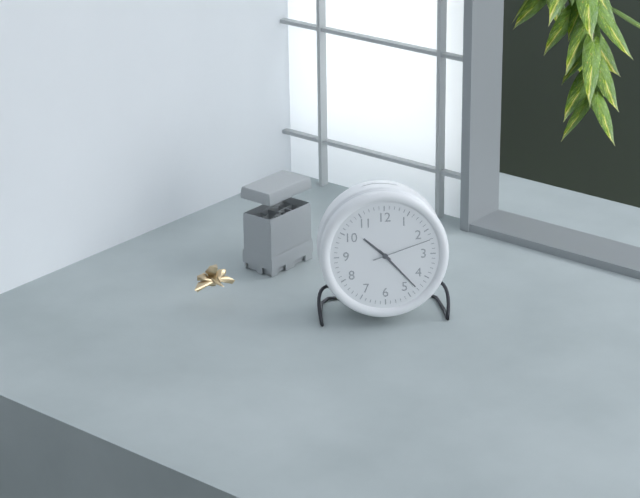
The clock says 10:23:12
